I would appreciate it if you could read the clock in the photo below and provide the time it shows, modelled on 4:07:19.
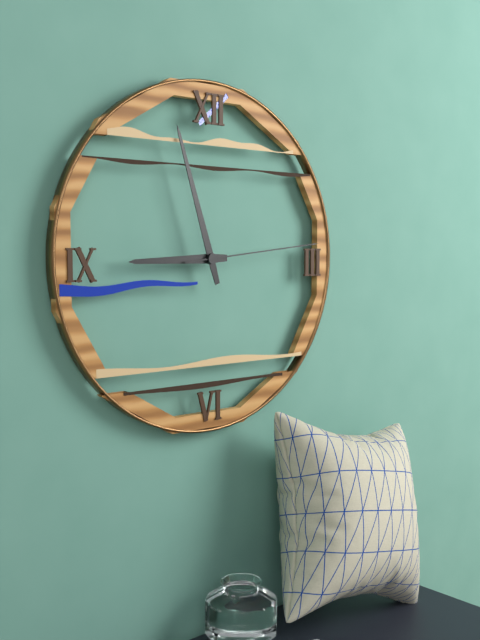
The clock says 8:57:14
